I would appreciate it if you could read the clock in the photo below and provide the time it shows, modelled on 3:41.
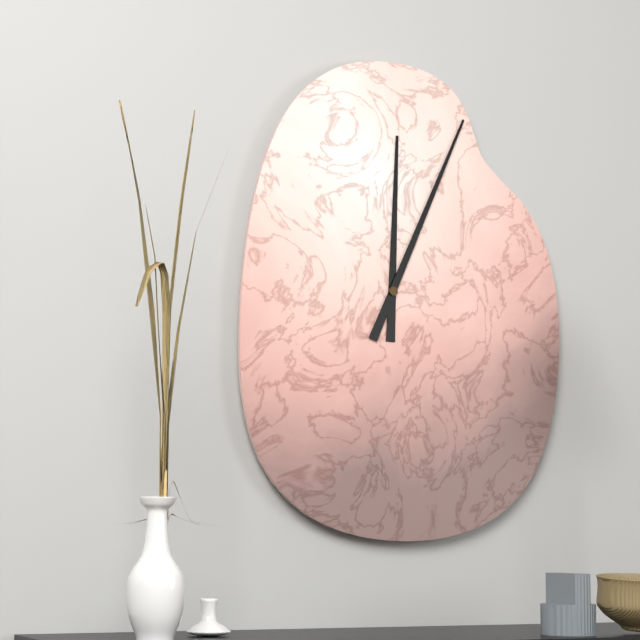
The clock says 12:04
